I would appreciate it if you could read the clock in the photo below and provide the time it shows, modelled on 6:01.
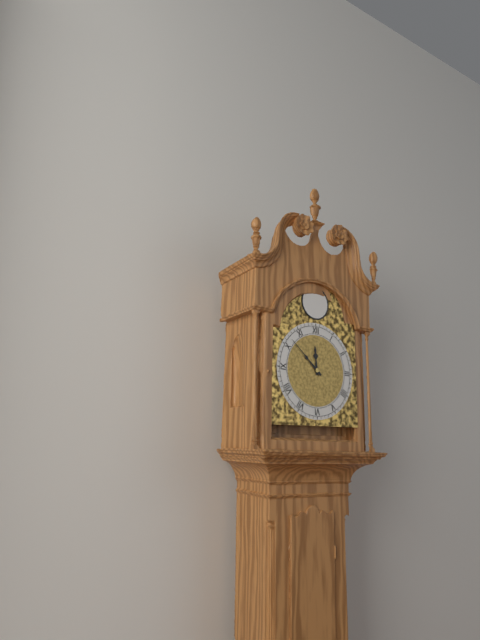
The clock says 11:52
